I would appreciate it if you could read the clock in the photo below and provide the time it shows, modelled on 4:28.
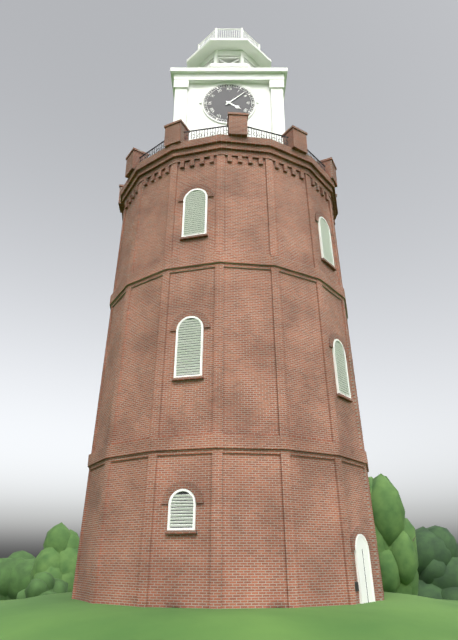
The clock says 4:08
